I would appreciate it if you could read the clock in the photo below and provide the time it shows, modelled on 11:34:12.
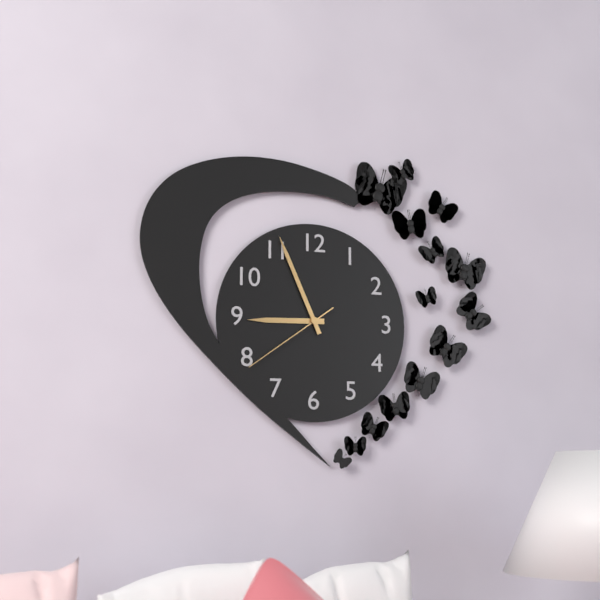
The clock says 8:56:39
